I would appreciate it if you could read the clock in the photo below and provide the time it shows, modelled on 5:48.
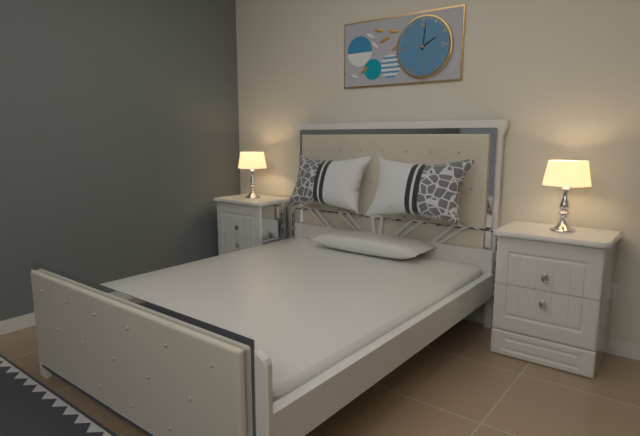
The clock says 2:01
